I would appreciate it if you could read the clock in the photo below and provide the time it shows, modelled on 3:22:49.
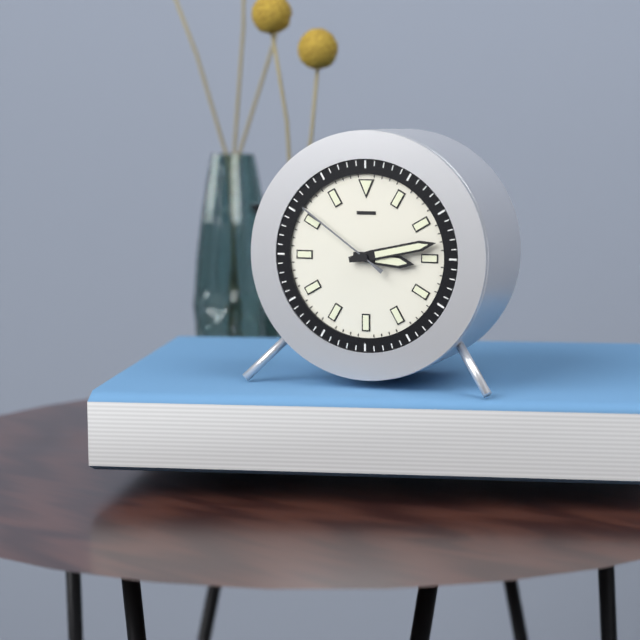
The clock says 3:13:51
